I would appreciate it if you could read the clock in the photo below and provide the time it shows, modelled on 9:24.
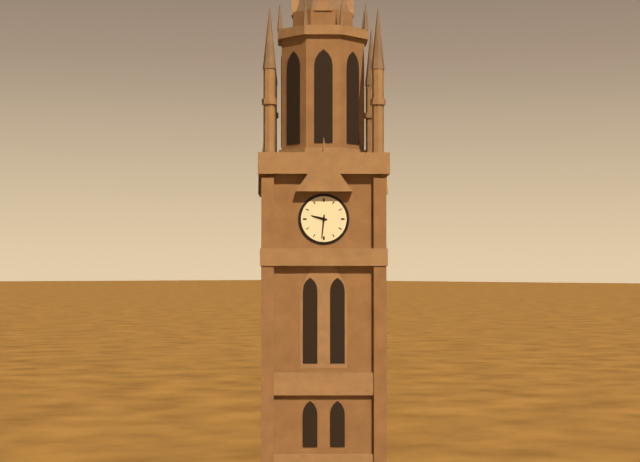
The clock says 9:31
